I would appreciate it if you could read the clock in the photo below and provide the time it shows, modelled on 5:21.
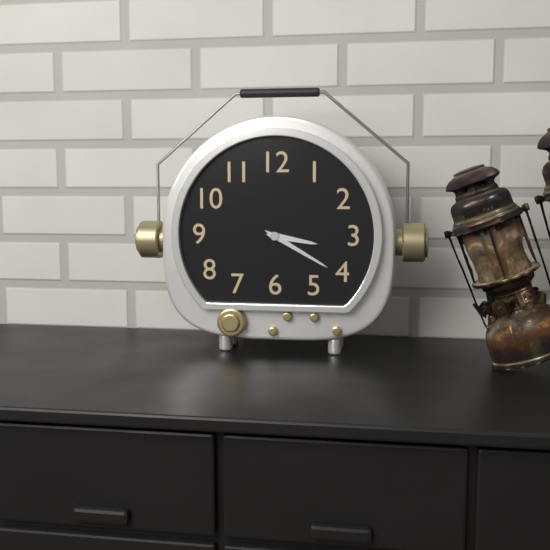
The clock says 3:20
